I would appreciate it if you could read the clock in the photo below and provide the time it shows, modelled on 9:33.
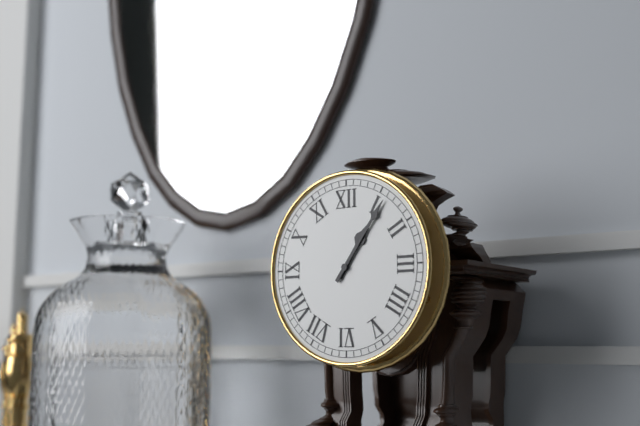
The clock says 1:06
